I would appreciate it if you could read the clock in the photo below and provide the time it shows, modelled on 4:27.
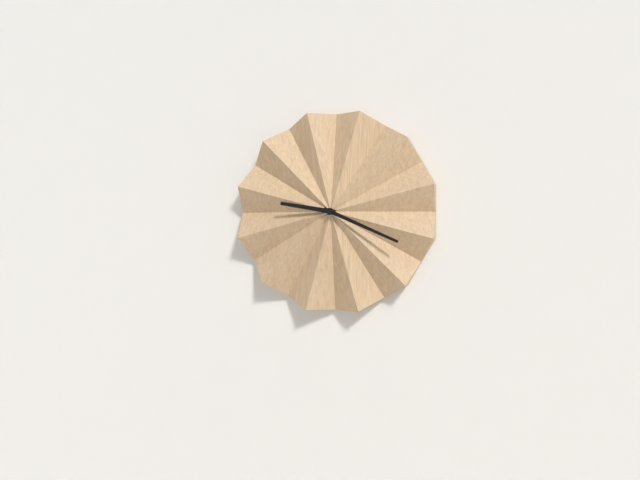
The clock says 9:19
